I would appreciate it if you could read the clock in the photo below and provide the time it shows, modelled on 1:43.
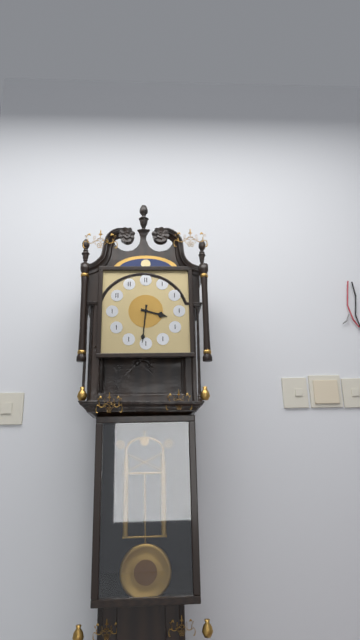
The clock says 3:31
